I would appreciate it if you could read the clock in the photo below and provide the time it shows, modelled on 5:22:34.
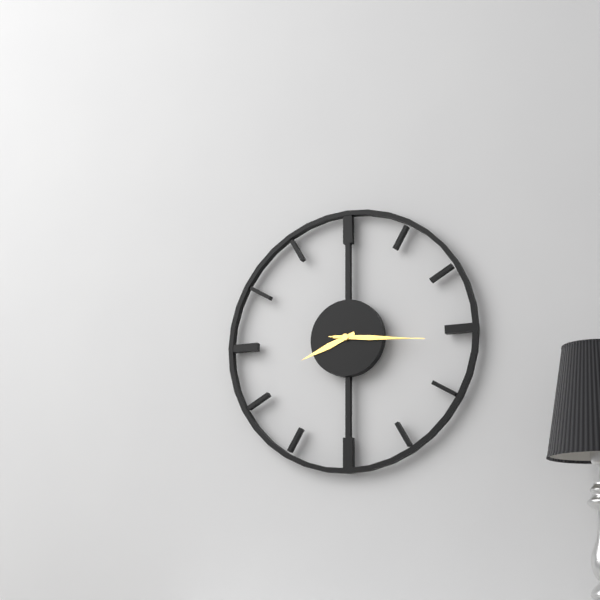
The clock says 8:16:16
